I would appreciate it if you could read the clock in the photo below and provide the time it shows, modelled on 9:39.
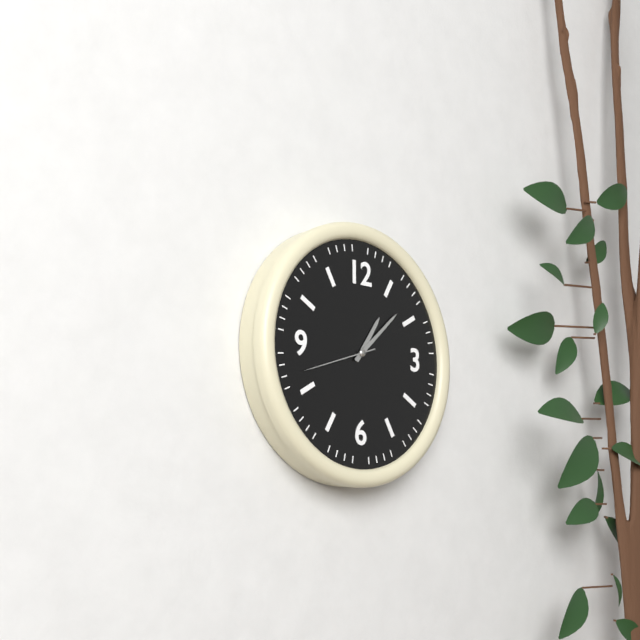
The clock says 1:08
